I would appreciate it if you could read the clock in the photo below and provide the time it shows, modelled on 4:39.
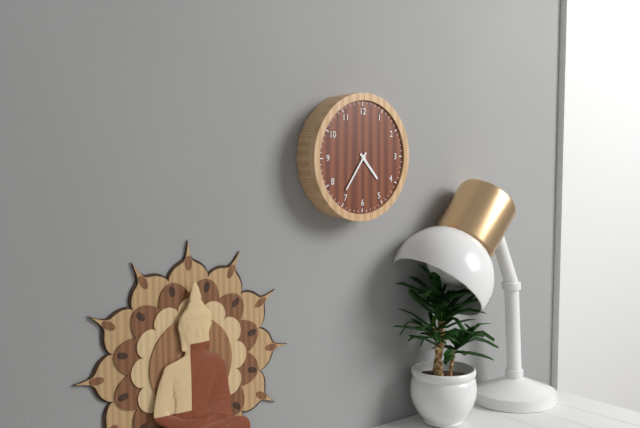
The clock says 4:36
